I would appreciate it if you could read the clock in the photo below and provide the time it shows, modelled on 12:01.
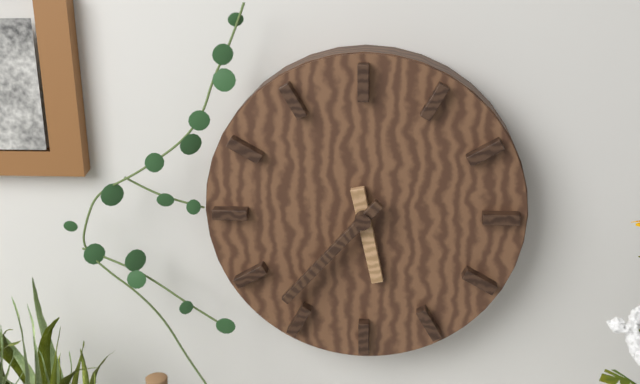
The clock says 5:37
